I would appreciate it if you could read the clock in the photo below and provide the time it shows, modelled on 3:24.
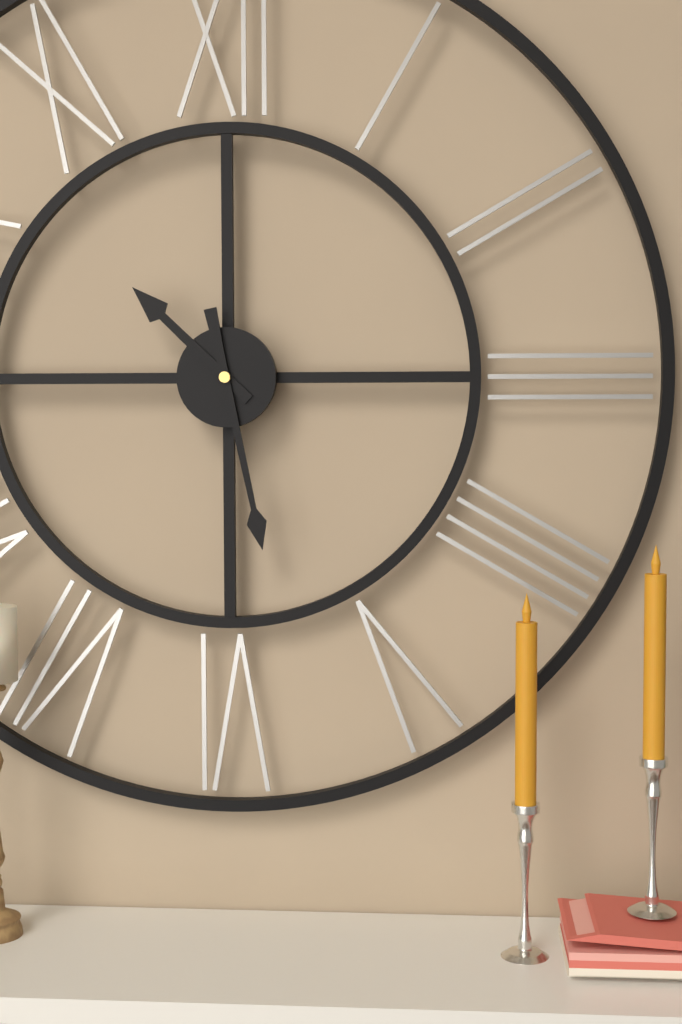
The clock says 10:28
